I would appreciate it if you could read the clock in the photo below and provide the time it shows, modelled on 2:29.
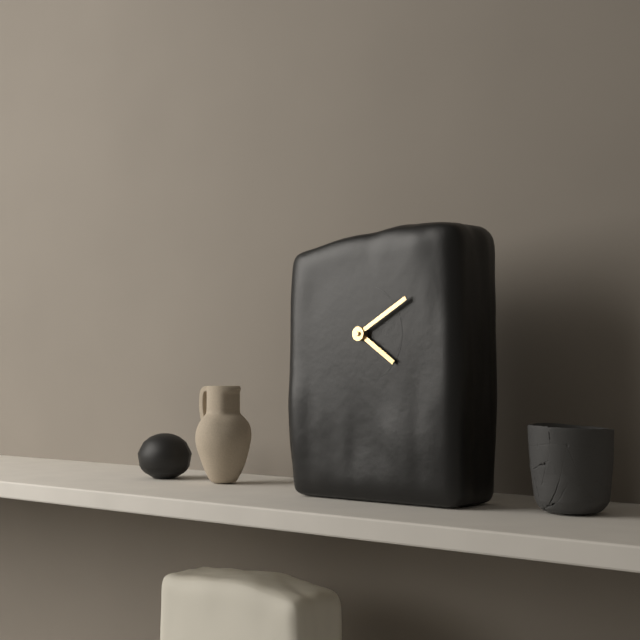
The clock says 4:10
